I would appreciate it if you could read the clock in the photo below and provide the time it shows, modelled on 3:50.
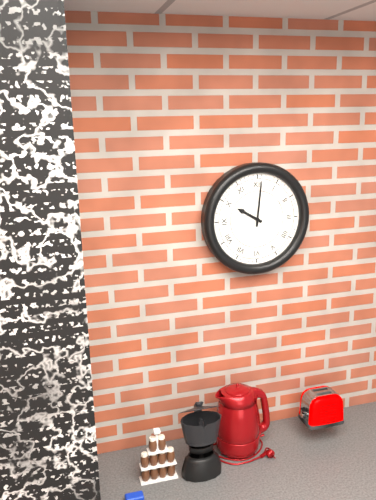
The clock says 10:01
